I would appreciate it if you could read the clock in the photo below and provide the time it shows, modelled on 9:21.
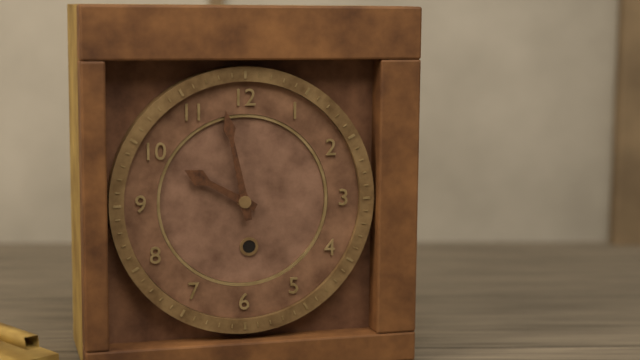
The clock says 9:58
